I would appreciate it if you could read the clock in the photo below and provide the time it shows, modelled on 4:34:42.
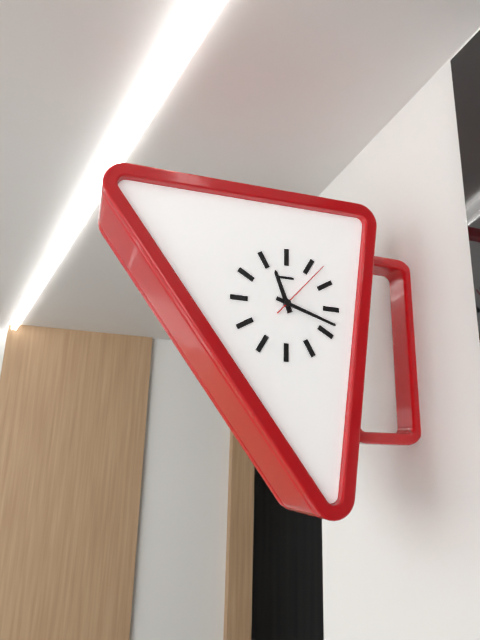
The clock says 11:18:07
